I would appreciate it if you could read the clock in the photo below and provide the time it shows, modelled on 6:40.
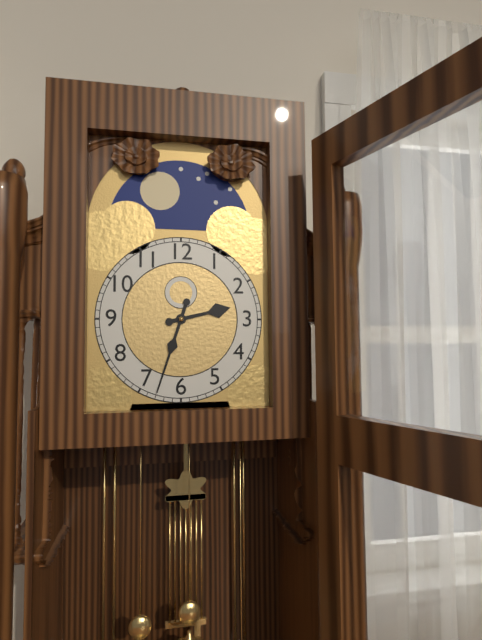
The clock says 2:33
